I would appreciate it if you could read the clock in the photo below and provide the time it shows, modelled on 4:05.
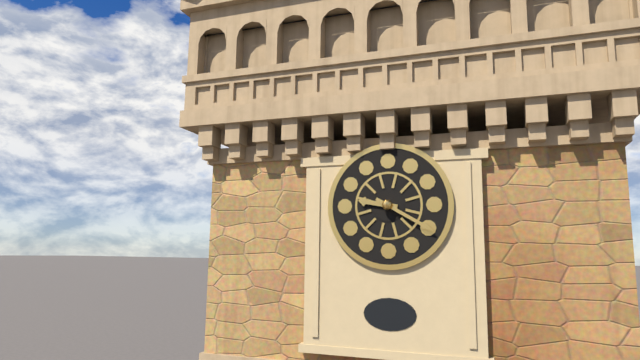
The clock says 9:20
